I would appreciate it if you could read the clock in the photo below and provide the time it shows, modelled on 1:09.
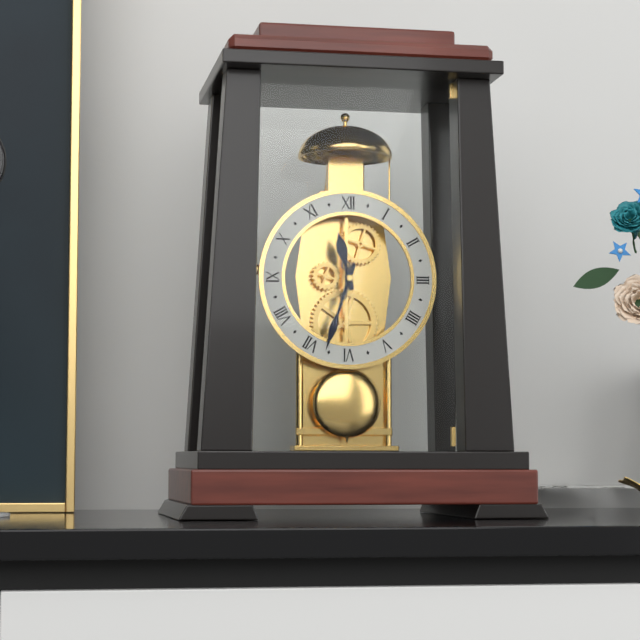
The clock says 11:33
